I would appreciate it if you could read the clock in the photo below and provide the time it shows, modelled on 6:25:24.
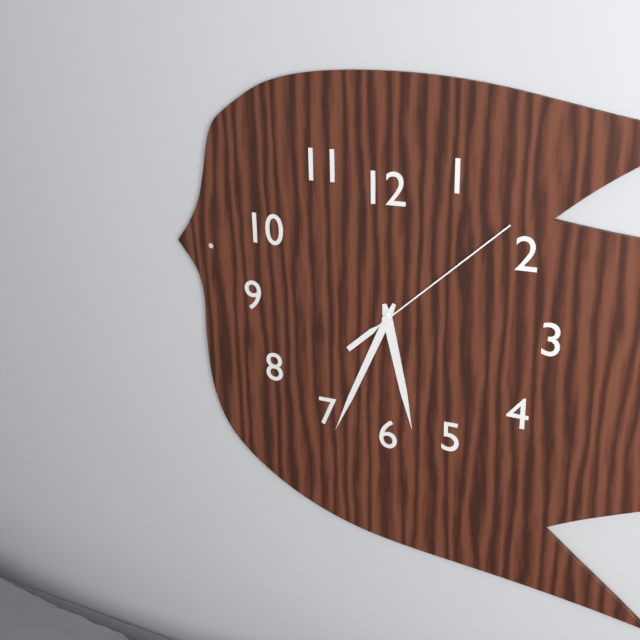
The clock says 5:34:08
